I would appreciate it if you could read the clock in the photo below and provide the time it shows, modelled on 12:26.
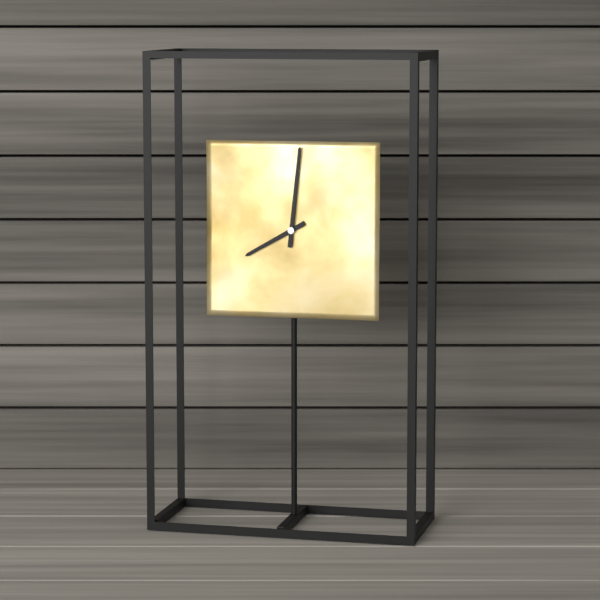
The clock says 8:01
